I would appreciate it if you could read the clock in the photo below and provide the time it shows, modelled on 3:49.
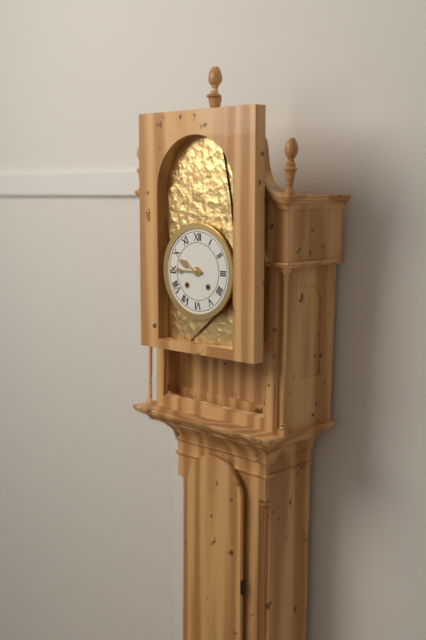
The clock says 9:45
